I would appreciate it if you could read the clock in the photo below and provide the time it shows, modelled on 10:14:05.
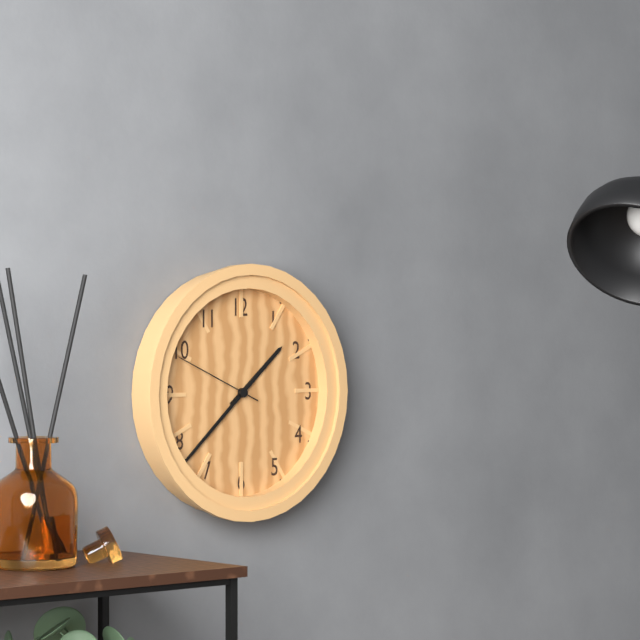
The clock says 1:38:49
